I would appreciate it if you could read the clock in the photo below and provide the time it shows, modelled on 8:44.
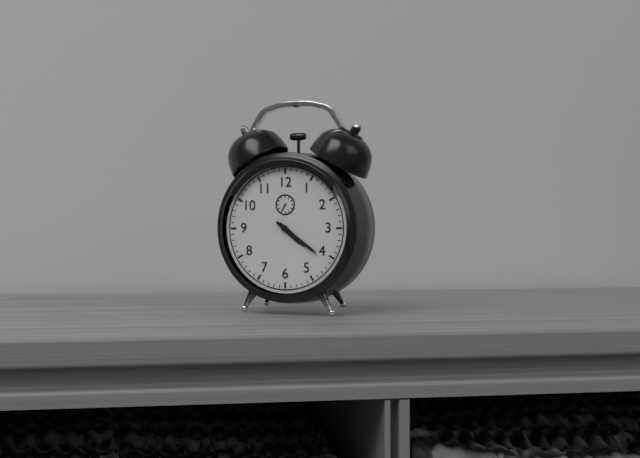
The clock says 4:21
